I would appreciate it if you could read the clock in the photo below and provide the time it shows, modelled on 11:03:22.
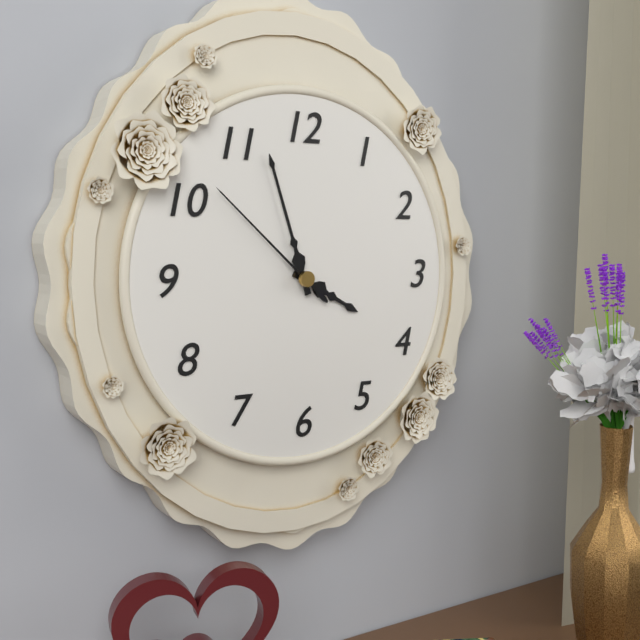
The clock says 3:57:52
